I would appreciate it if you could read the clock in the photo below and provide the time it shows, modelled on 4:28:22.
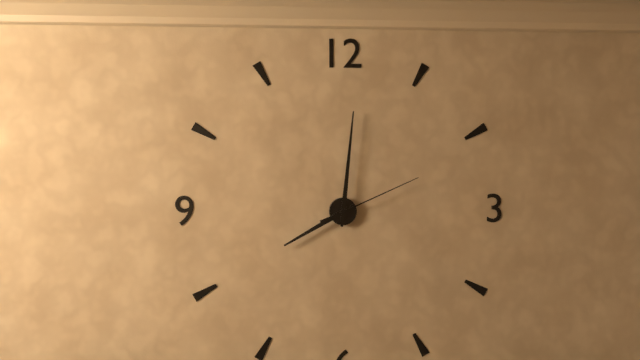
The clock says 8:01:11
